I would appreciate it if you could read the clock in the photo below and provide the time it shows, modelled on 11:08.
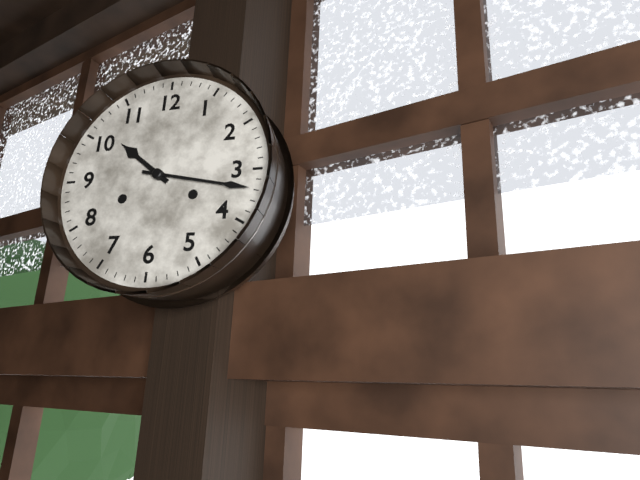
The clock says 10:17
